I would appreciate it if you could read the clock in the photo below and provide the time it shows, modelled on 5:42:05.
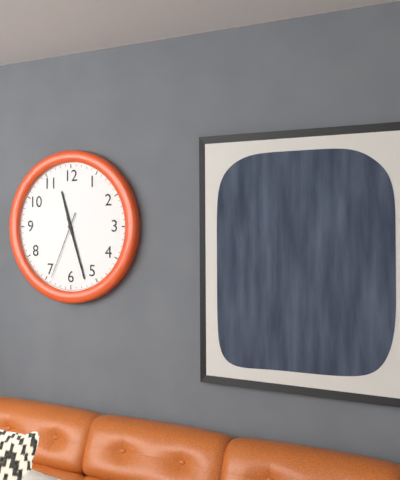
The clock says 11:27:34
